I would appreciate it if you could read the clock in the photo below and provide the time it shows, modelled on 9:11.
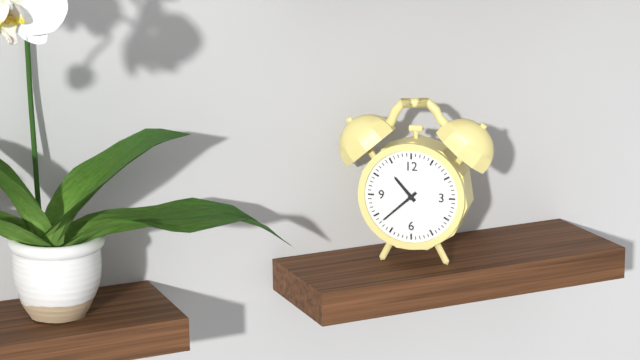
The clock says 10:38
